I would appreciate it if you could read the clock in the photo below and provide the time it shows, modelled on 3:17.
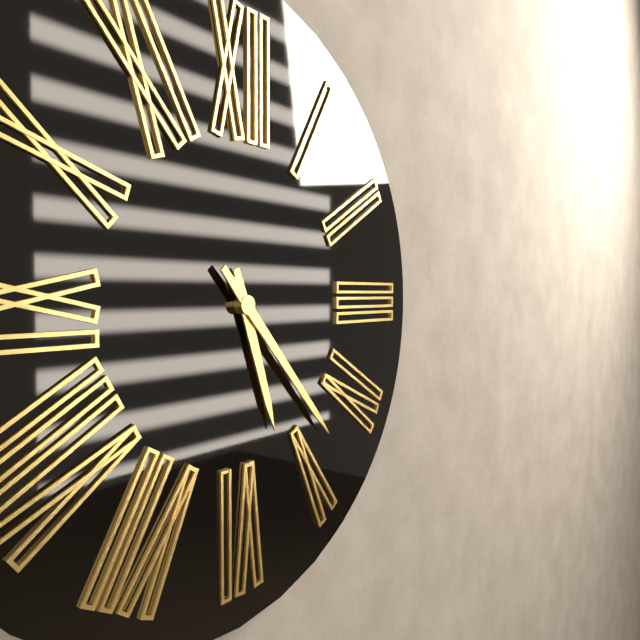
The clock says 5:23
